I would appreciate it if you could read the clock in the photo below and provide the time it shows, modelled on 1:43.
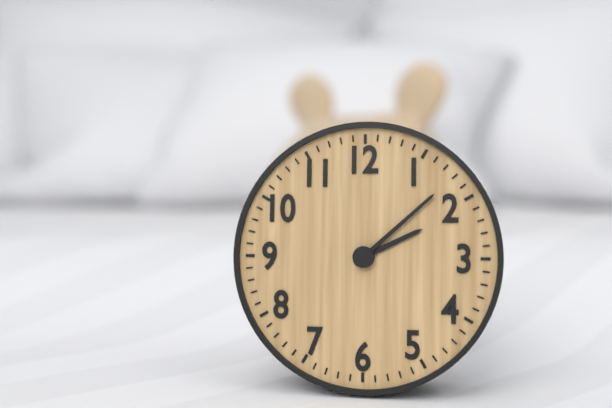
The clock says 2:08
